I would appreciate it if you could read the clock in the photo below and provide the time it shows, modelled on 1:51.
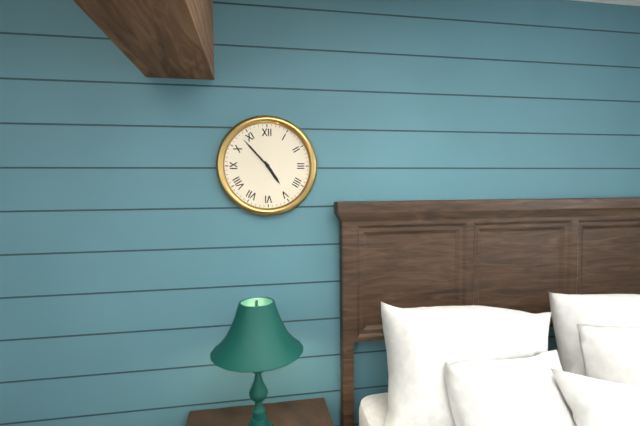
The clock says 4:53
